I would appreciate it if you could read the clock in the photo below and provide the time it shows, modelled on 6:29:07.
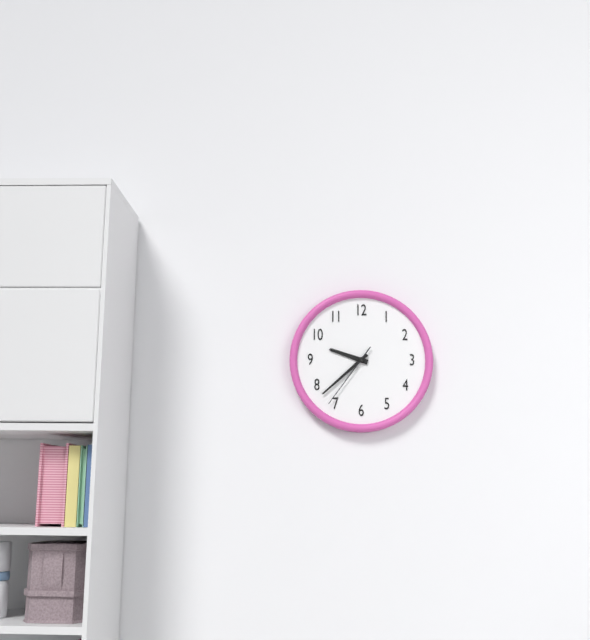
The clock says 9:38:36
